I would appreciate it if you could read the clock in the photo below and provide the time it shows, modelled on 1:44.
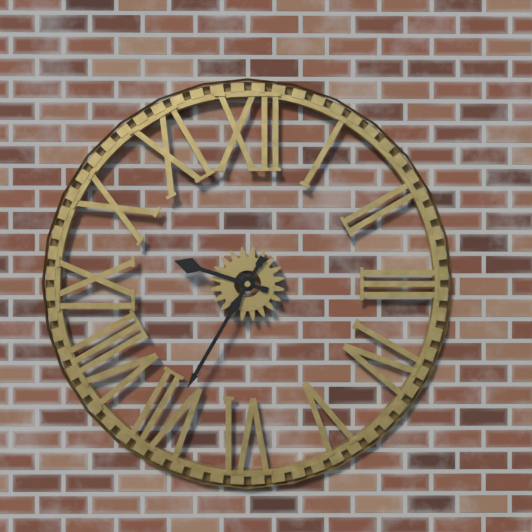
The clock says 9:35
